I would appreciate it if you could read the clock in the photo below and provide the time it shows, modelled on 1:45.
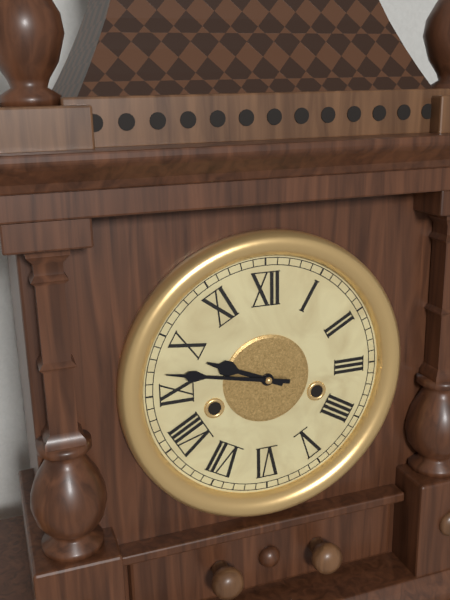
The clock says 9:47
